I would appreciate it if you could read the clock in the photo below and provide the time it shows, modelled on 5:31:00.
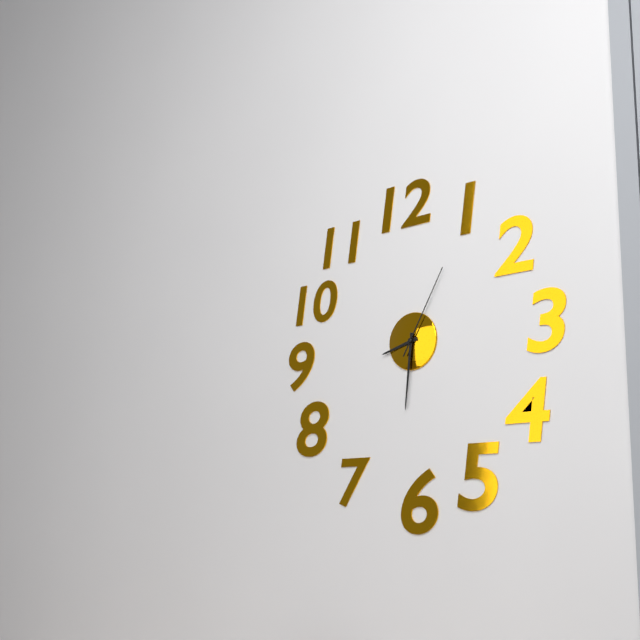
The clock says 8:31:05
